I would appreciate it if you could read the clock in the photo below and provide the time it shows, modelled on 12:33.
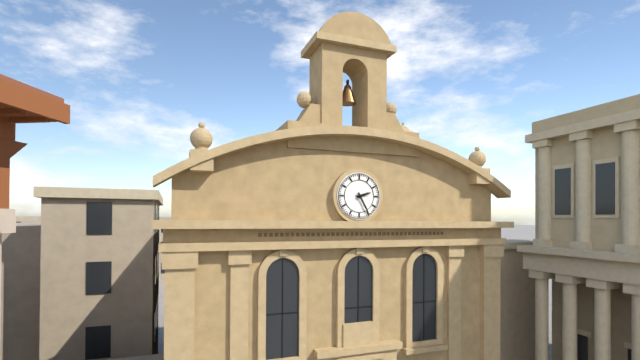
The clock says 2:25
